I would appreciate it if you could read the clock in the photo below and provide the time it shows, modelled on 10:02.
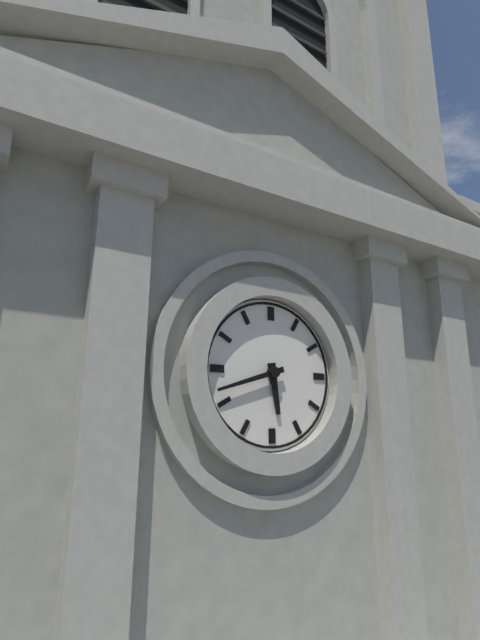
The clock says 5:42
